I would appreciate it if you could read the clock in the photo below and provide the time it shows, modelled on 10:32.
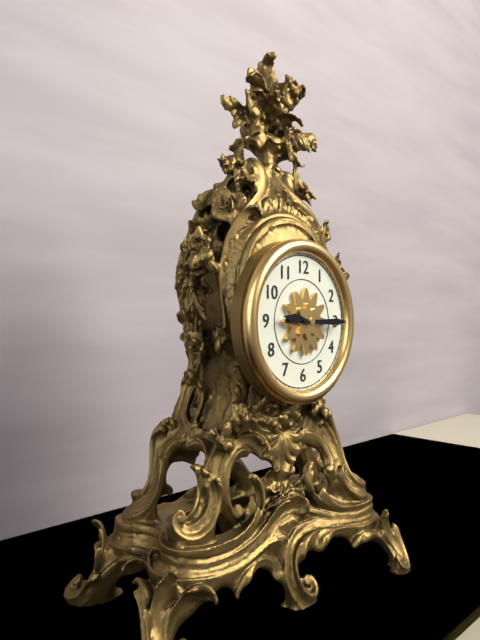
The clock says 9:15
